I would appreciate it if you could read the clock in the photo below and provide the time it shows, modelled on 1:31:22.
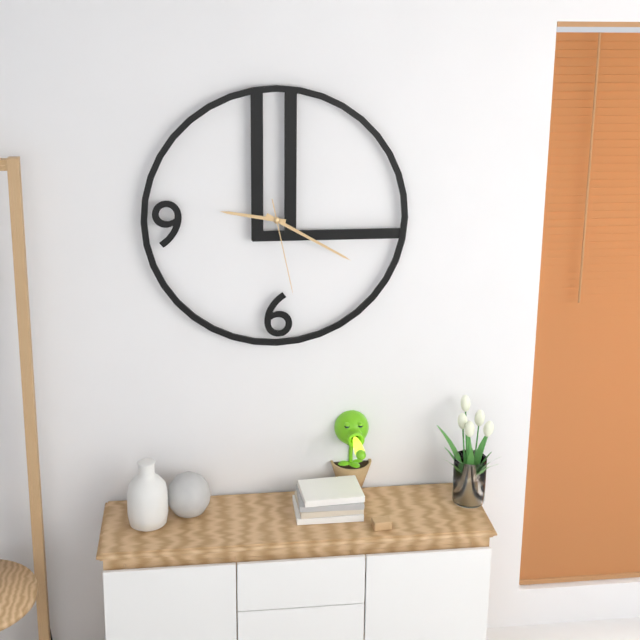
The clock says 9:20:28
